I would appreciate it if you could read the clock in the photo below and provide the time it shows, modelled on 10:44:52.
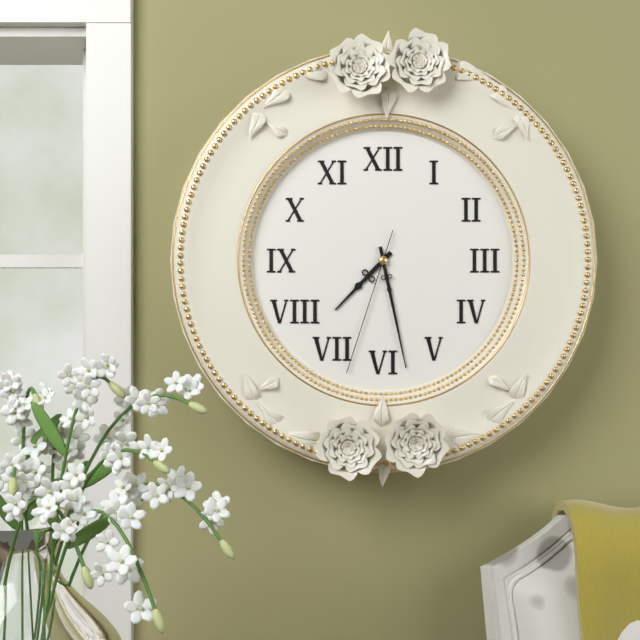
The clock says 7:28:33
